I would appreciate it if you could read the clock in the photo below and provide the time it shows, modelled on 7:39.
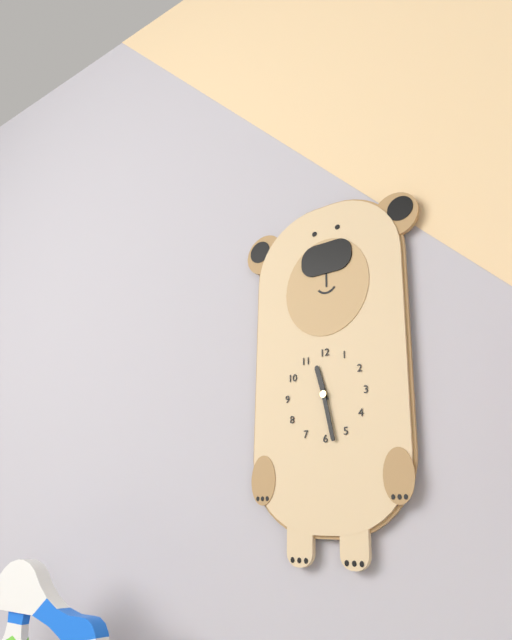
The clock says 11:28
